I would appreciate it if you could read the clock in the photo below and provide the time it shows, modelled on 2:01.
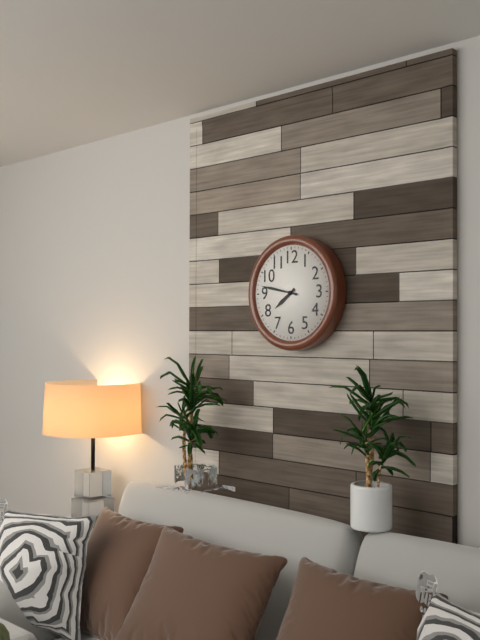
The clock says 7:47
